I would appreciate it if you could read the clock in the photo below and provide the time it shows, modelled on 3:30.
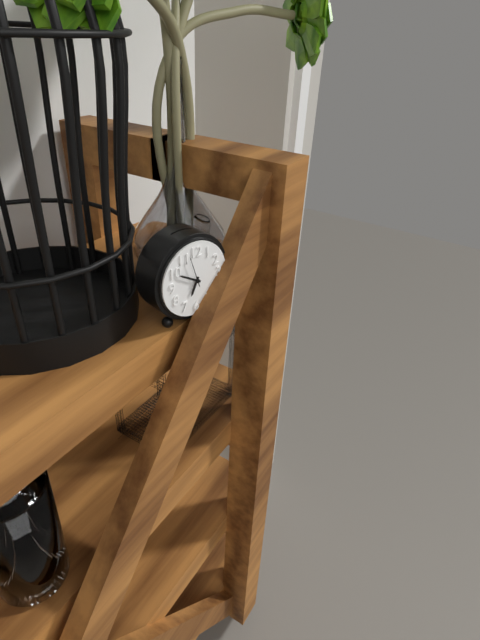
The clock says 6:50
